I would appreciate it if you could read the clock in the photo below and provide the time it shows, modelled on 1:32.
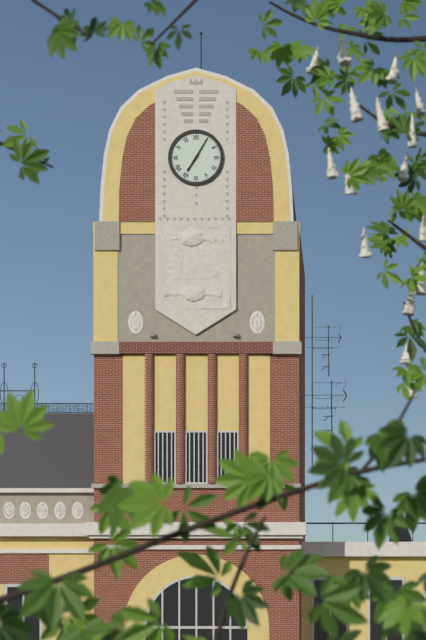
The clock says 7:05
